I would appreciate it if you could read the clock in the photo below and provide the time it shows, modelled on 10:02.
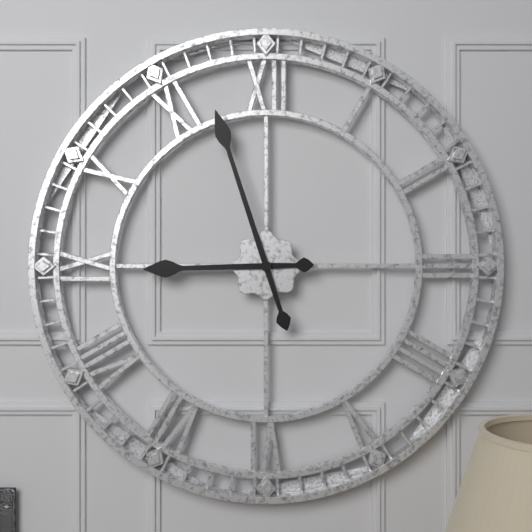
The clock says 8:57
